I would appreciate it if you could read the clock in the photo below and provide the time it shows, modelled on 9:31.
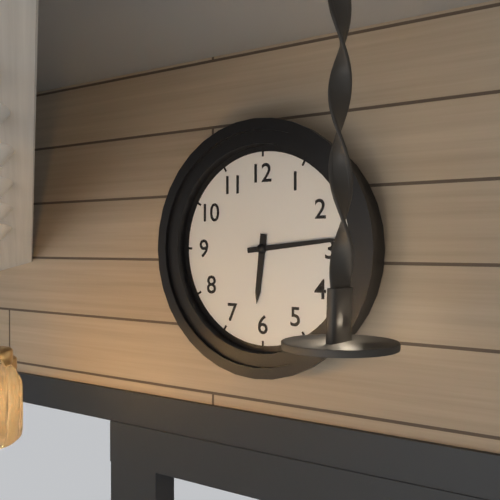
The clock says 6:14
